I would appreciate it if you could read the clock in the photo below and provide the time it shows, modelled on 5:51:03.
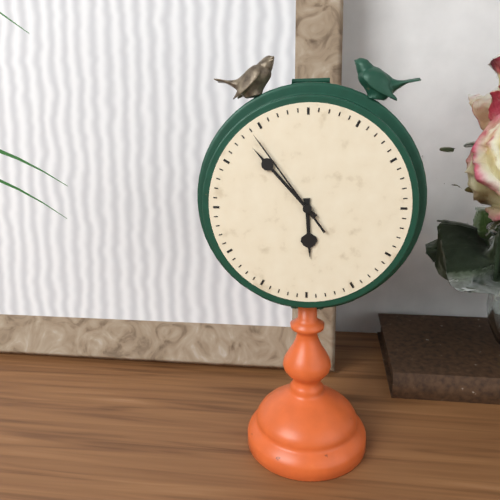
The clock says 5:53:54
